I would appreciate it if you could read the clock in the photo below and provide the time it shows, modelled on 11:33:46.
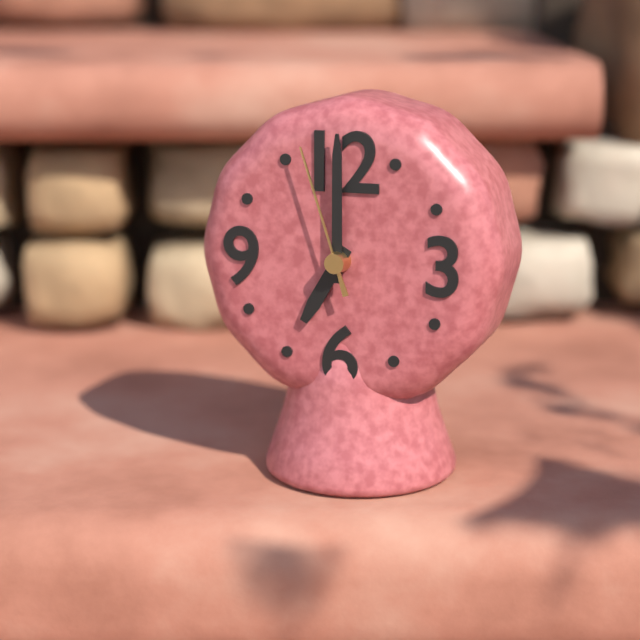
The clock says 7:00:57
